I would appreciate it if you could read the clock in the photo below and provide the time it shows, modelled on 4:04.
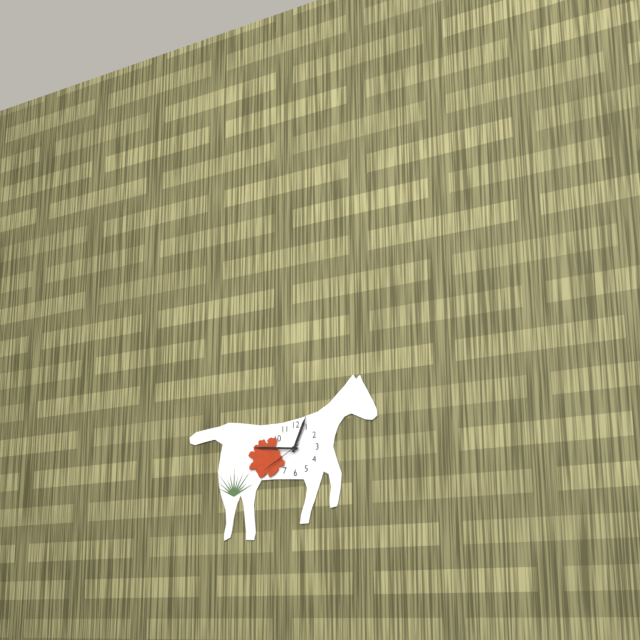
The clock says 12:46
